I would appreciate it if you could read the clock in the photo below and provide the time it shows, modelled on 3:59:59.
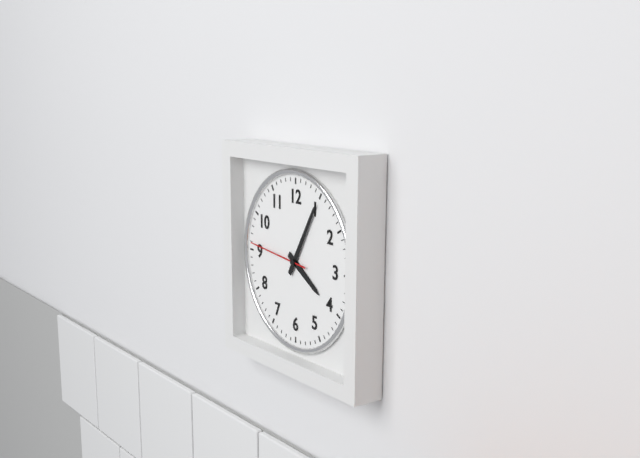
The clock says 4:05:46
